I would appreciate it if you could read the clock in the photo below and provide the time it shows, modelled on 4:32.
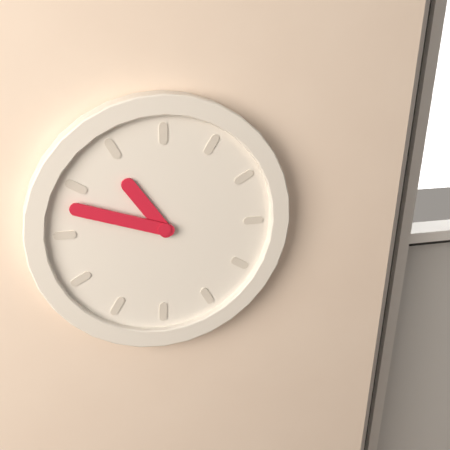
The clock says 10:48
